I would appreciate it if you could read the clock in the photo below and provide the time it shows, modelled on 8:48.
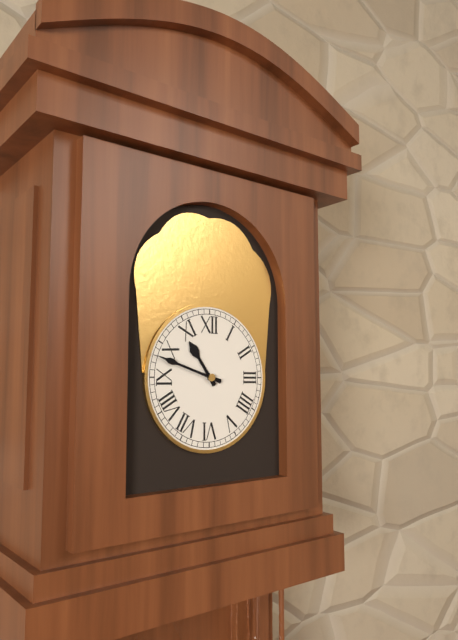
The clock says 10:48
